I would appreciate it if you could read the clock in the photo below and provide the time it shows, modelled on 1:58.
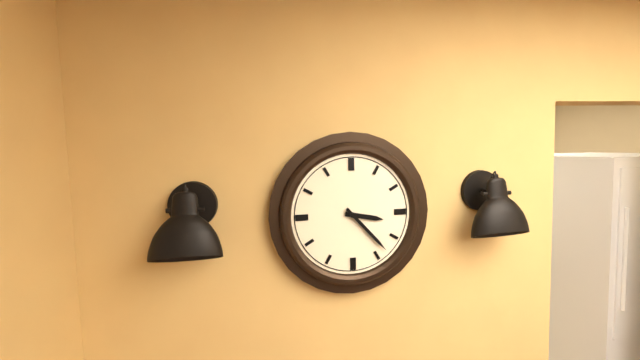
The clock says 3:23
